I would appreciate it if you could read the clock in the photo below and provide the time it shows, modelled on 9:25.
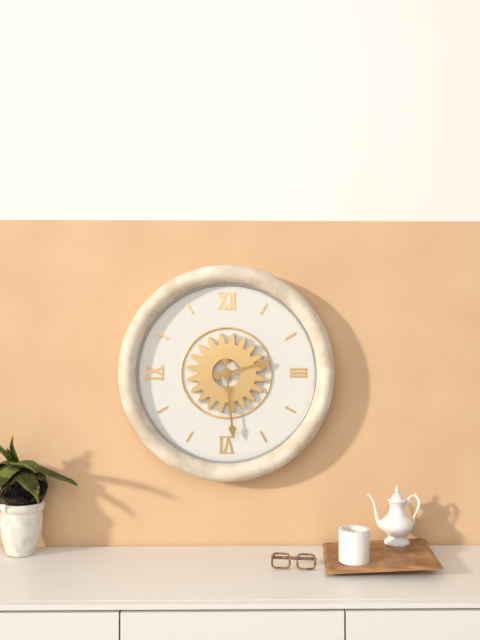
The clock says 2:29
